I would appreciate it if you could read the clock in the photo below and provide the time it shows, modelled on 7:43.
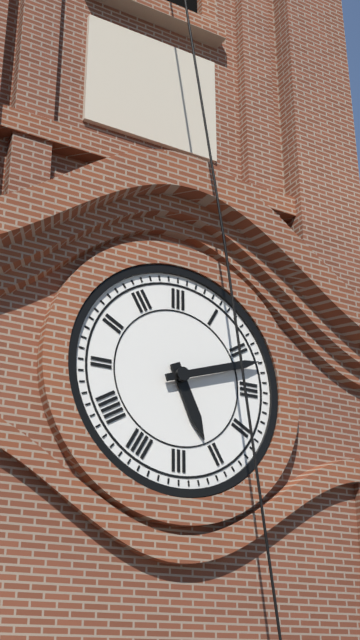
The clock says 5:12
